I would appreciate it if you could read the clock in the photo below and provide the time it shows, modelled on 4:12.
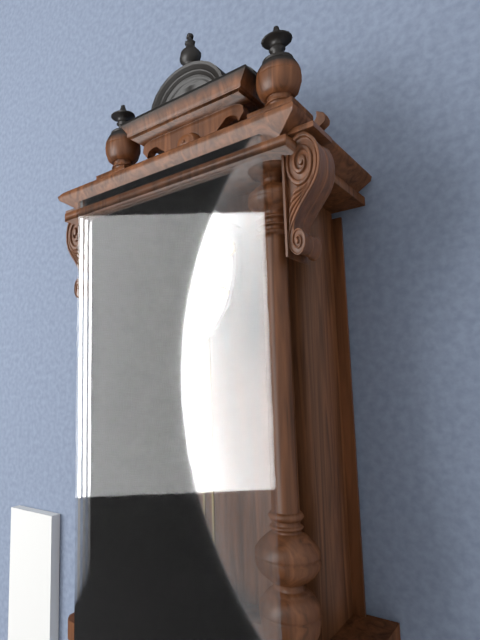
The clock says 11:29
